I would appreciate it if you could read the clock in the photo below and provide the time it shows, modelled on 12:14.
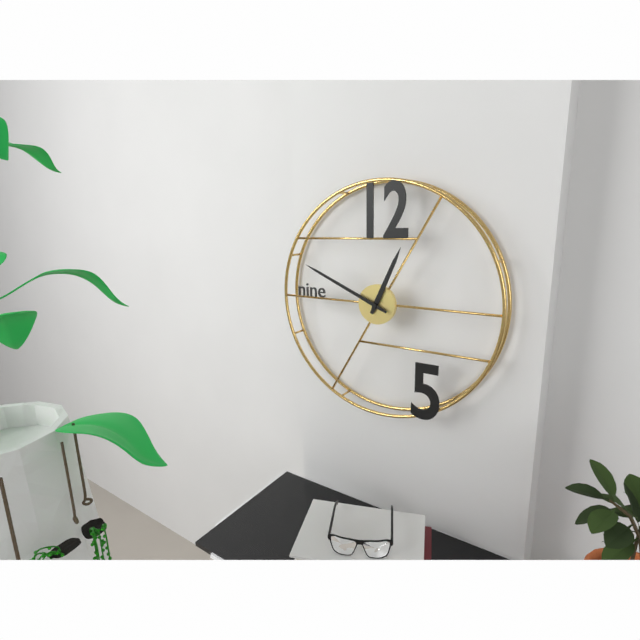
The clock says 12:49
